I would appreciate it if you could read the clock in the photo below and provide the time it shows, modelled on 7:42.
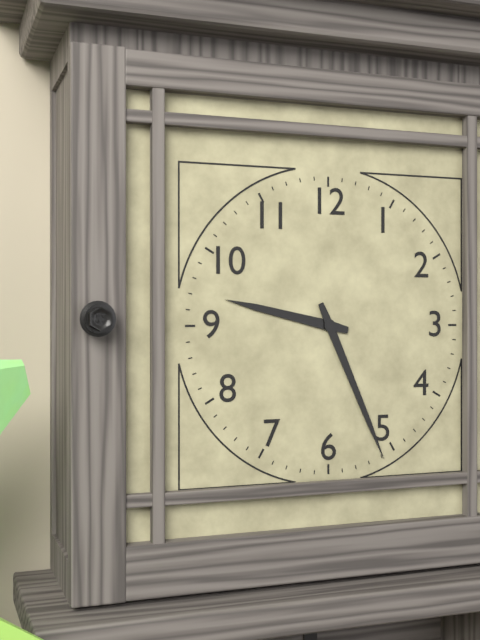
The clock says 9:26
